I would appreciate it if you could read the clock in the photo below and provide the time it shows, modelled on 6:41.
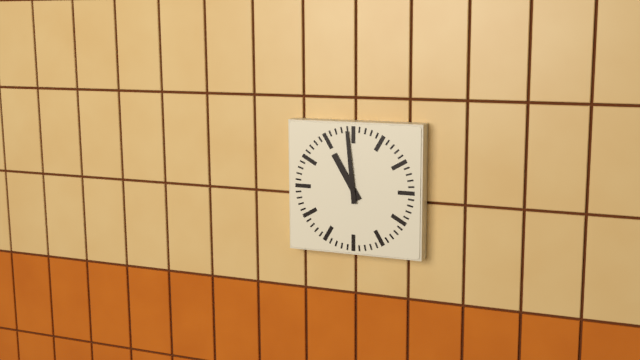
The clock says 10:59
